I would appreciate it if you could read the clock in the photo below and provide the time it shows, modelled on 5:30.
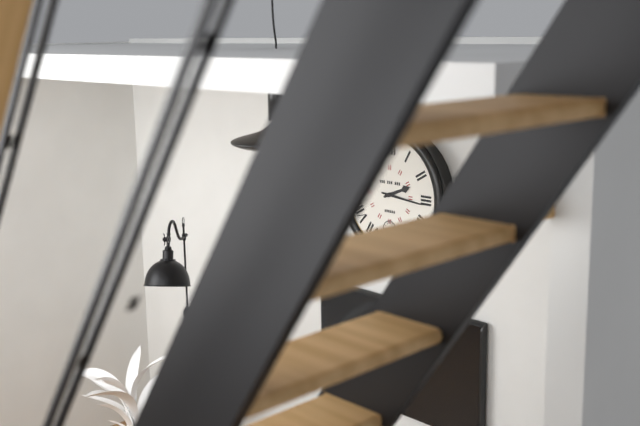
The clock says 2:16
